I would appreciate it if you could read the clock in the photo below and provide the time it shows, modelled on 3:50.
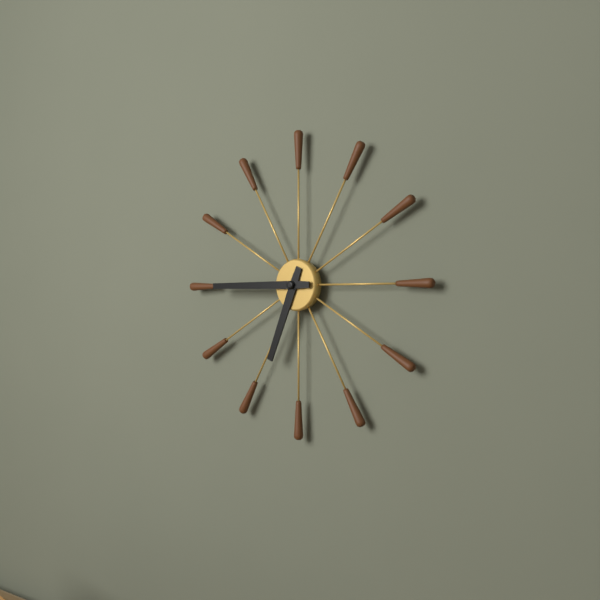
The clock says 6:45
